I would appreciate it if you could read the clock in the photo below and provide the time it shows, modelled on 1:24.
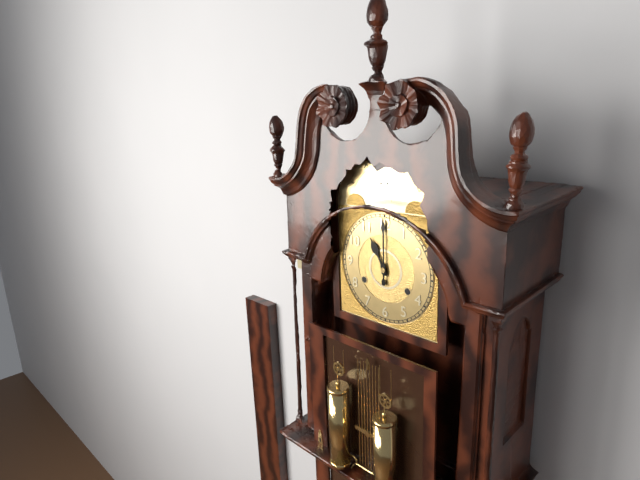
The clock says 11:00
